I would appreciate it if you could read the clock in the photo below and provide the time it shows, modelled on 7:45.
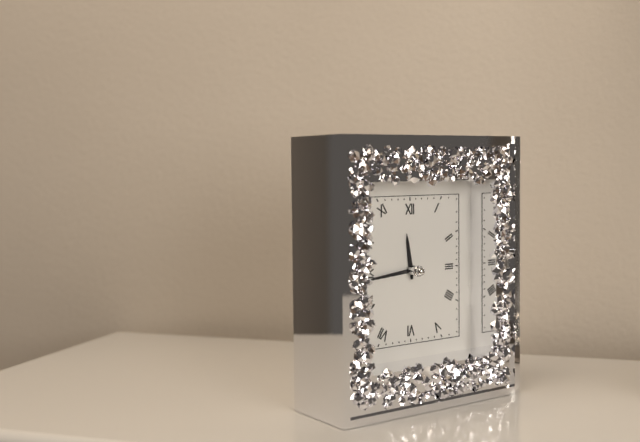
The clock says 11:44
